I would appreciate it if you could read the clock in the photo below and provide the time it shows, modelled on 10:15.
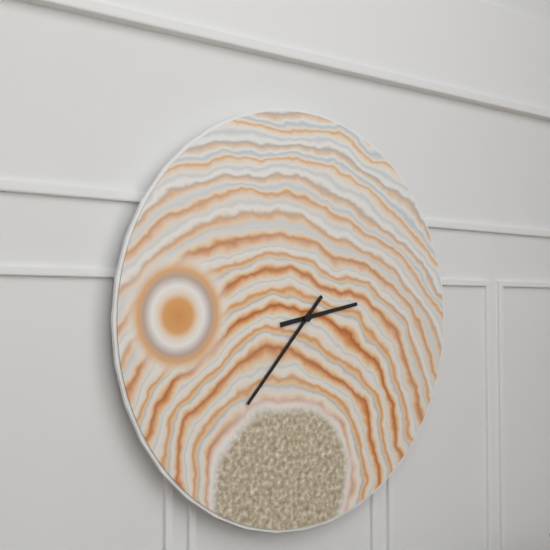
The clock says 2:37
